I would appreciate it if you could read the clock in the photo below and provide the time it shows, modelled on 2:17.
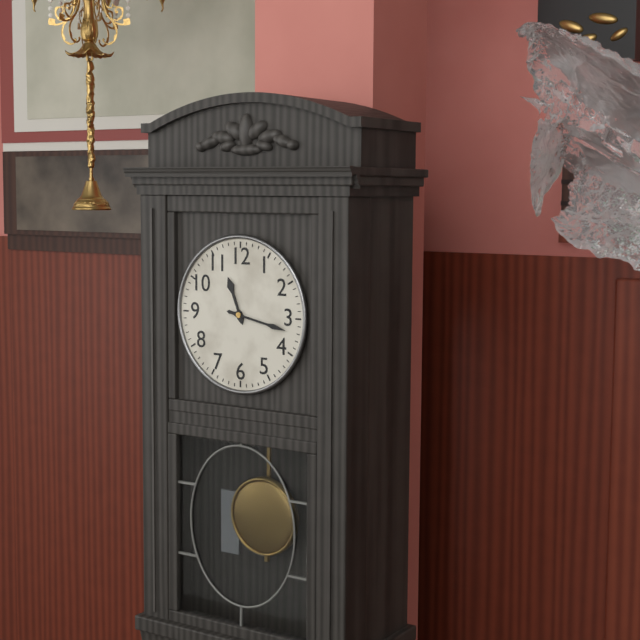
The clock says 11:17
